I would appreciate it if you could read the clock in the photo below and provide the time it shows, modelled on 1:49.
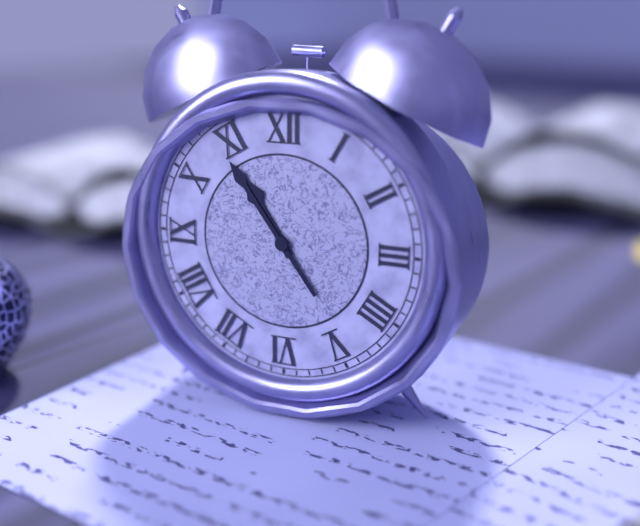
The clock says 10:54
